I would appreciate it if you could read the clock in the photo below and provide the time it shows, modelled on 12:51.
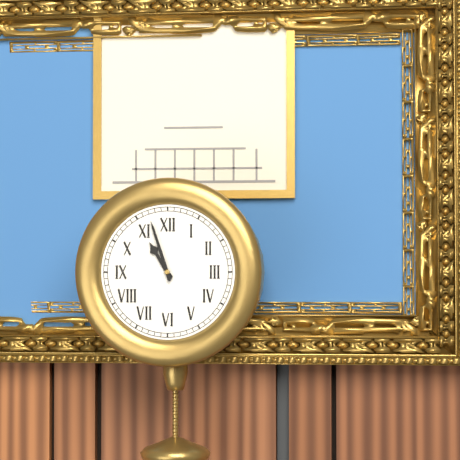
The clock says 10:57
